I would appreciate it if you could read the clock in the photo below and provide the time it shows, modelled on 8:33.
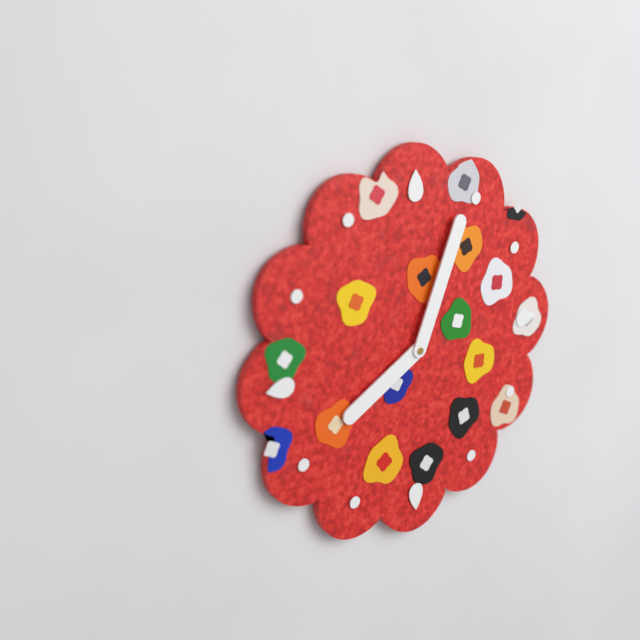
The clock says 8:04
